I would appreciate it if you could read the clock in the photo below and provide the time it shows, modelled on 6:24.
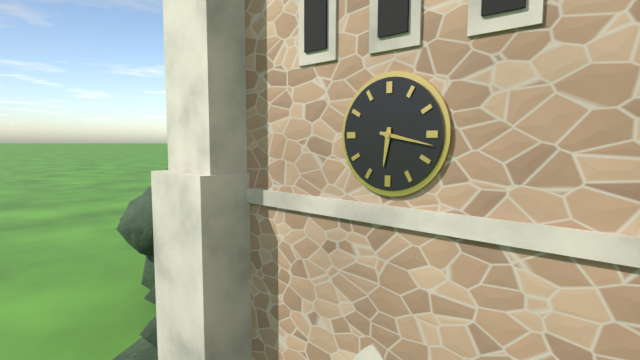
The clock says 6:17
